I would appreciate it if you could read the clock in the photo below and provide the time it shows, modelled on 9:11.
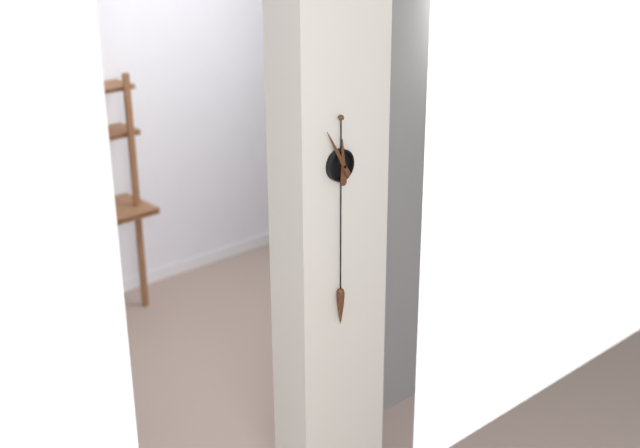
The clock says 11:55
